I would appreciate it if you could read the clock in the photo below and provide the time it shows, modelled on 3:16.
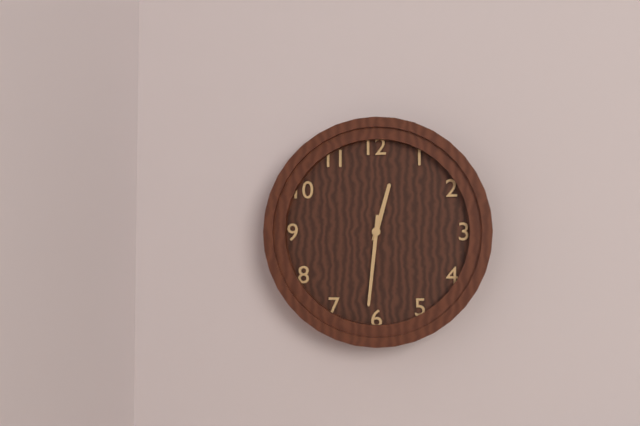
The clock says 12:31
